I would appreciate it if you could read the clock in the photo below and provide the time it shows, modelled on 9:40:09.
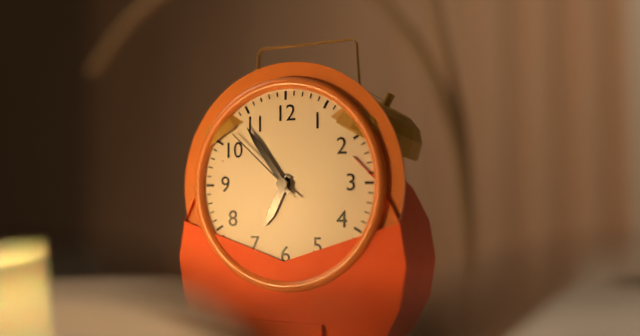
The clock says 6:54:52
